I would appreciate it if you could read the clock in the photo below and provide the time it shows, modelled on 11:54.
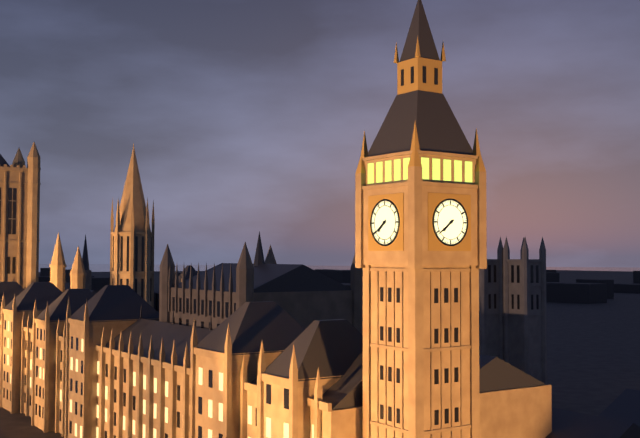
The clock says 7:39
